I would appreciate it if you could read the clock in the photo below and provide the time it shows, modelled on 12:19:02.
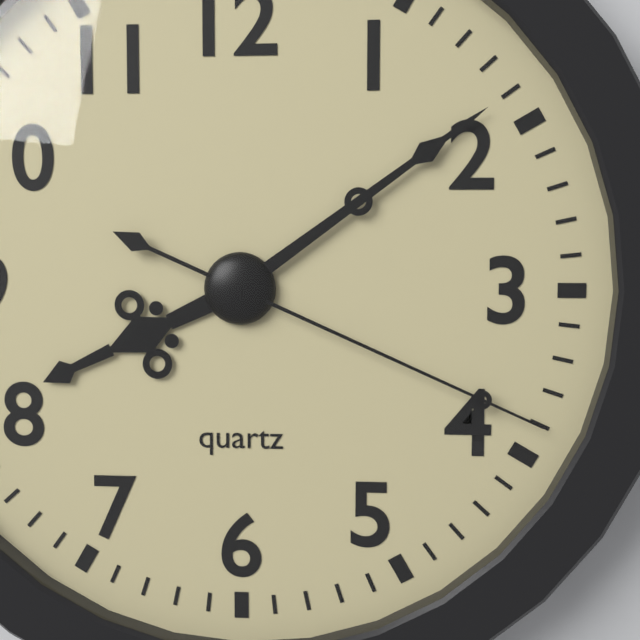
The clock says 8:09:19
